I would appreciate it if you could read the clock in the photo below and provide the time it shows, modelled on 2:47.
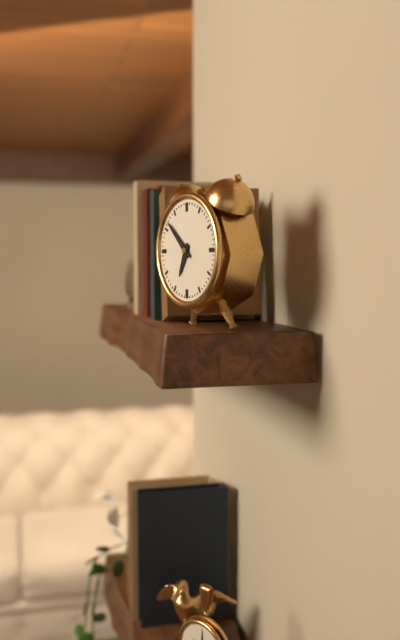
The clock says 6:52
